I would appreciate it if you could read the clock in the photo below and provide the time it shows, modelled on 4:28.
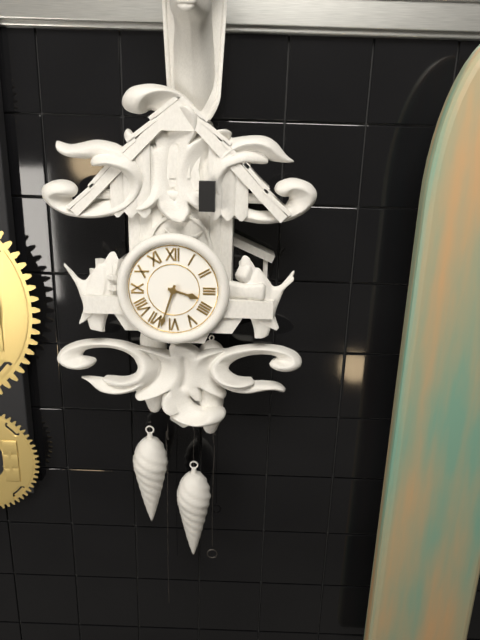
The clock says 3:33
